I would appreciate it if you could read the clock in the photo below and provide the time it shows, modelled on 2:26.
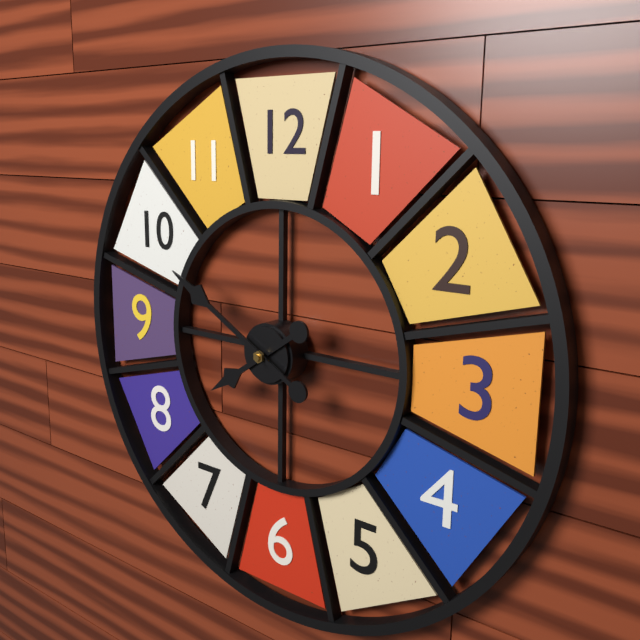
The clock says 7:50
